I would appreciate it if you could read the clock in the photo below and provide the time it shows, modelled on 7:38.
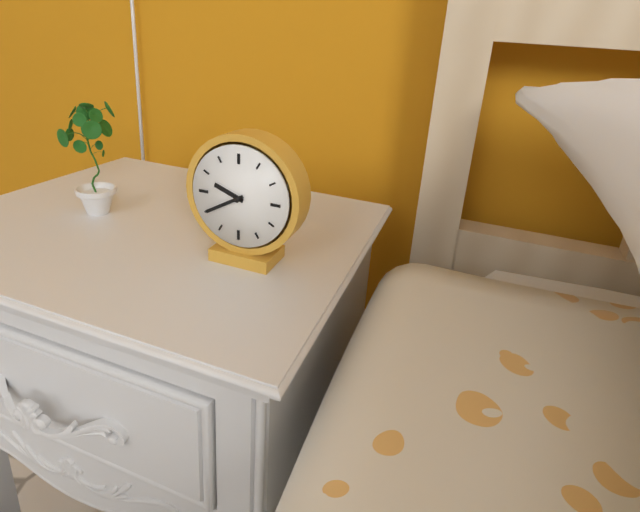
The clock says 9:40
